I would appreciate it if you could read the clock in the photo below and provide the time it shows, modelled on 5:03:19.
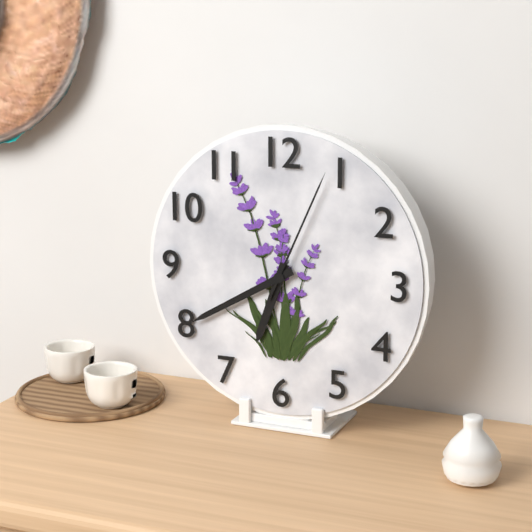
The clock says 6:40:04
